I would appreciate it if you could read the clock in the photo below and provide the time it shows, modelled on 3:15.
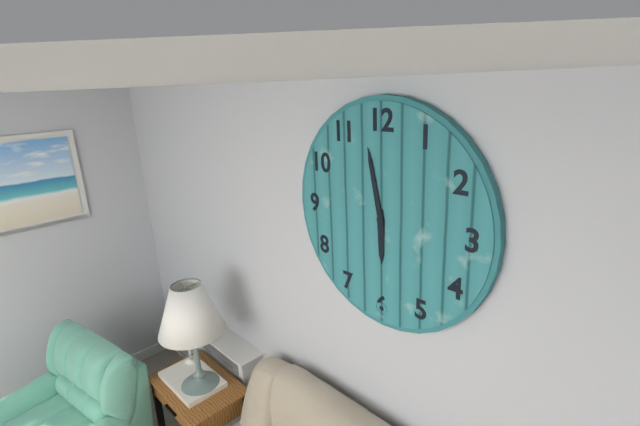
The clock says 5:58
